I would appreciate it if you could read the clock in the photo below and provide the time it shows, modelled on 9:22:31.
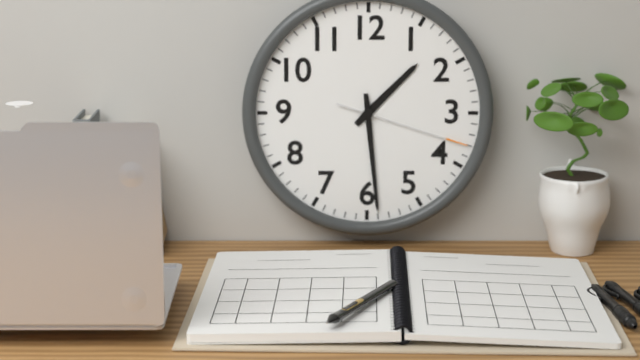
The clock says 1:29:18
